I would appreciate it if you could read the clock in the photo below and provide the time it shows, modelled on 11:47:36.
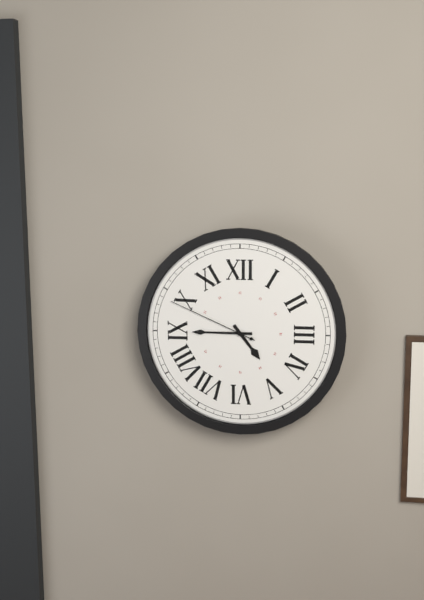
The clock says 4:45:49
